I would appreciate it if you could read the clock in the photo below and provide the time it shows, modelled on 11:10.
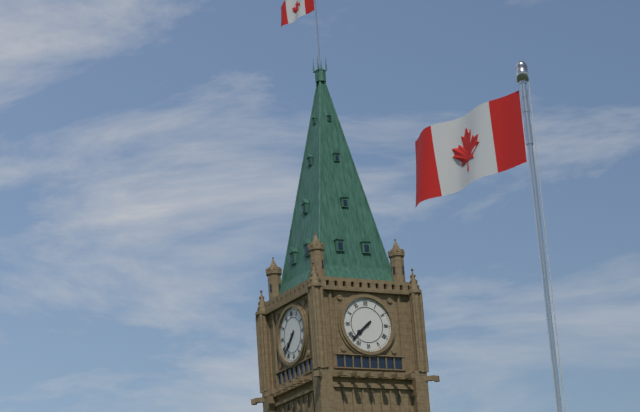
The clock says 7:38
